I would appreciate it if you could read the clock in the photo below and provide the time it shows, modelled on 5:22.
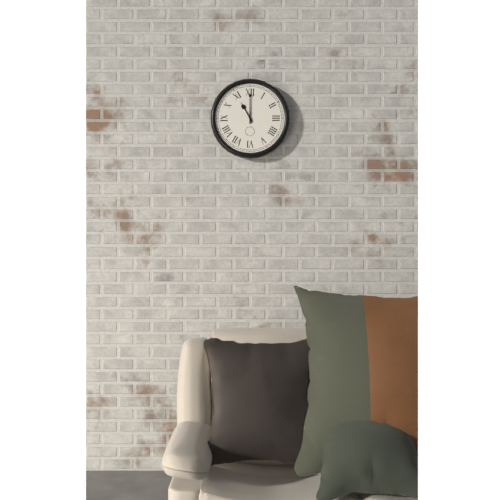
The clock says 11:00
